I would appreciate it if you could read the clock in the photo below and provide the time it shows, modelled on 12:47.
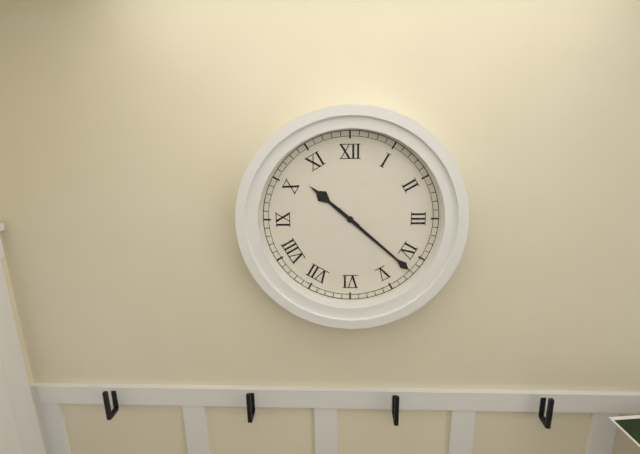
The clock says 10:22
